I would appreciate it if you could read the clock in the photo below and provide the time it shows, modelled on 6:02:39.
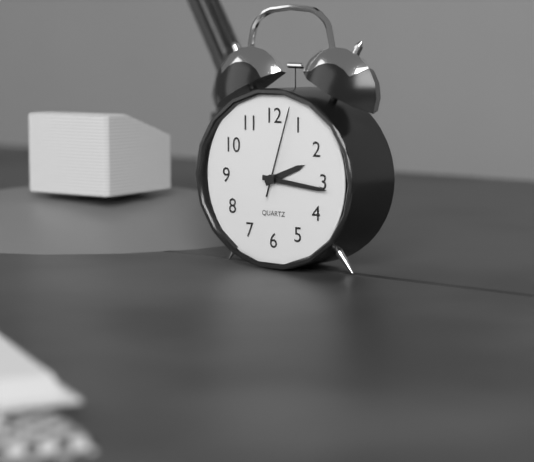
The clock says 2:16:03
